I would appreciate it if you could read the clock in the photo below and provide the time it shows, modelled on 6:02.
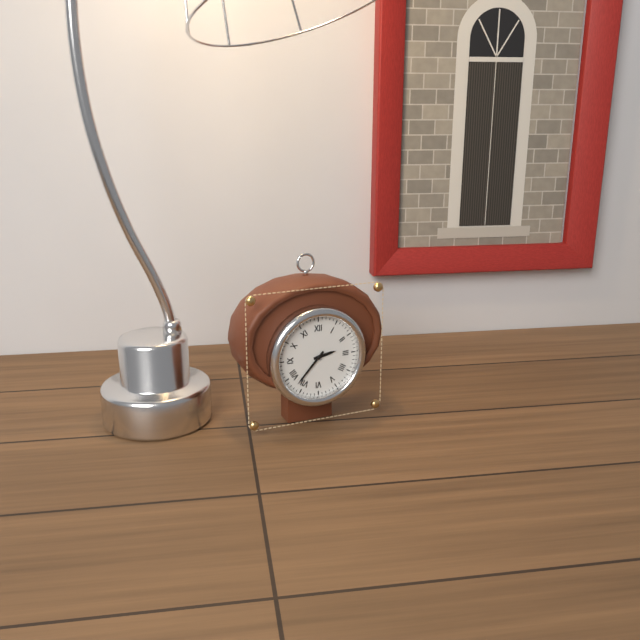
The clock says 2:37
